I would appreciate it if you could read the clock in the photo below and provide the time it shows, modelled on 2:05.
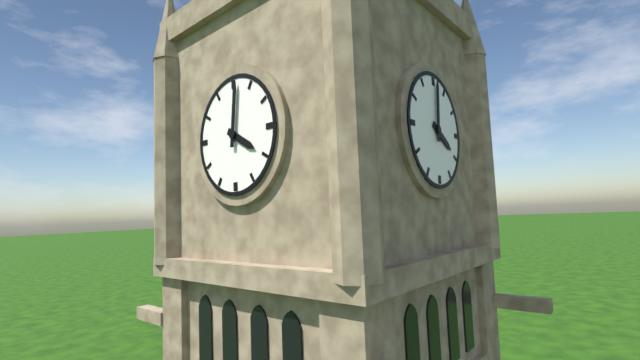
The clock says 4:01
